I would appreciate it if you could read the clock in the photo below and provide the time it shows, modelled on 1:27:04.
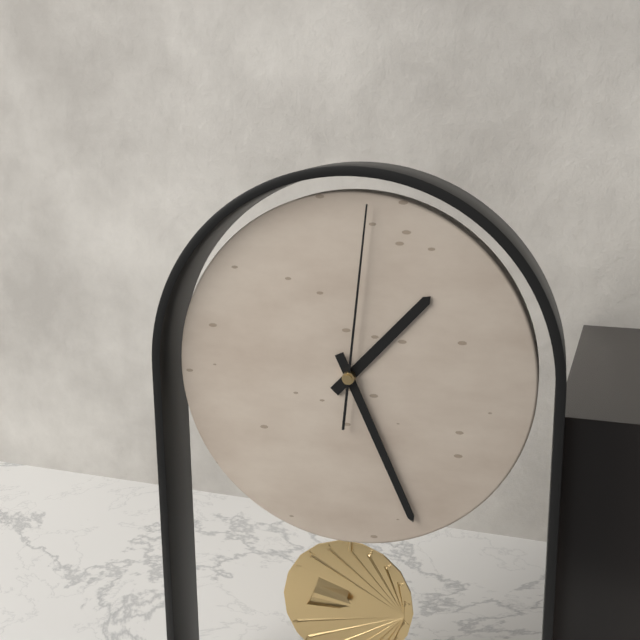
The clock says 1:26:01
